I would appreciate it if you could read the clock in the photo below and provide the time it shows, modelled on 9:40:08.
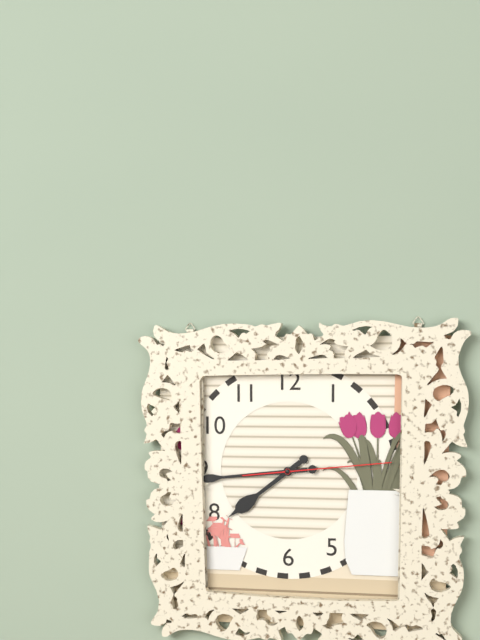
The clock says 7:44:14
